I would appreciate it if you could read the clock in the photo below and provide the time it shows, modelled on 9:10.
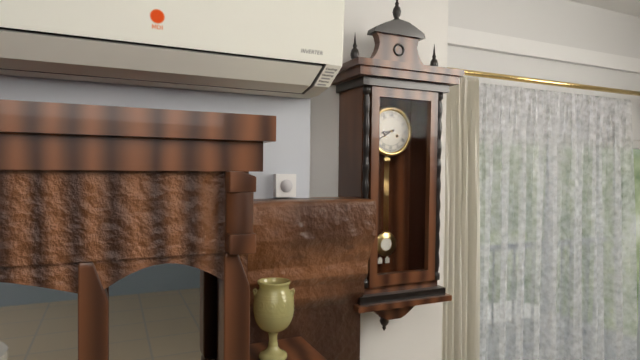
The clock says 8:40
